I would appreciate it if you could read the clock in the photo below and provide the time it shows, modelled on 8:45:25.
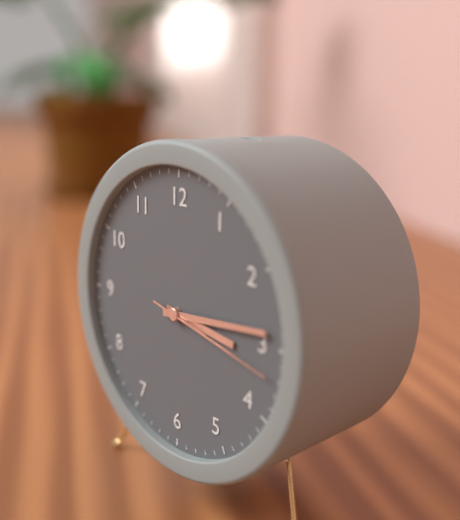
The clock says 3:14:17
